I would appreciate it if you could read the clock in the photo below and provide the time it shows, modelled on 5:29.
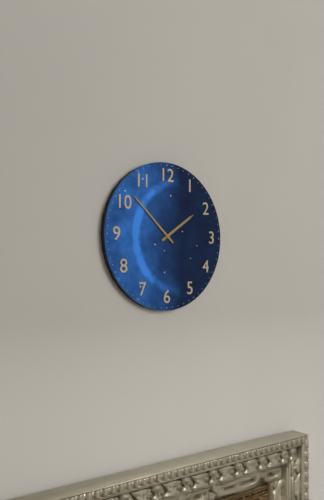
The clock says 1:52
